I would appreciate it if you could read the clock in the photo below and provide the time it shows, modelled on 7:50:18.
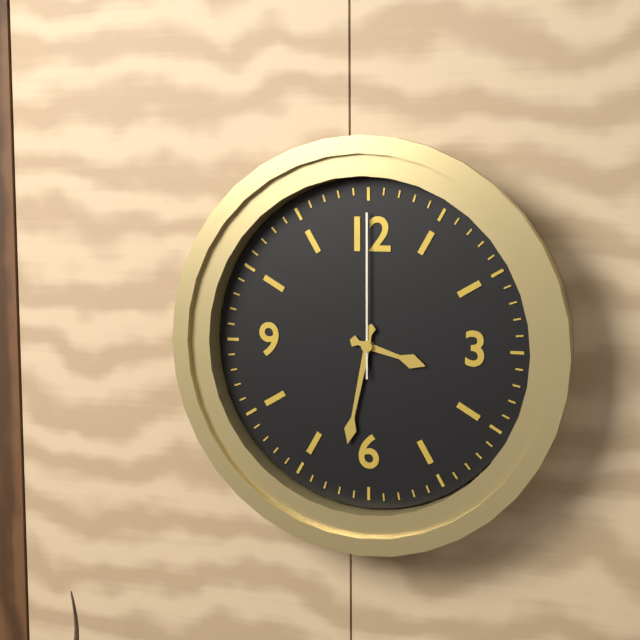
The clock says 3:32:00
